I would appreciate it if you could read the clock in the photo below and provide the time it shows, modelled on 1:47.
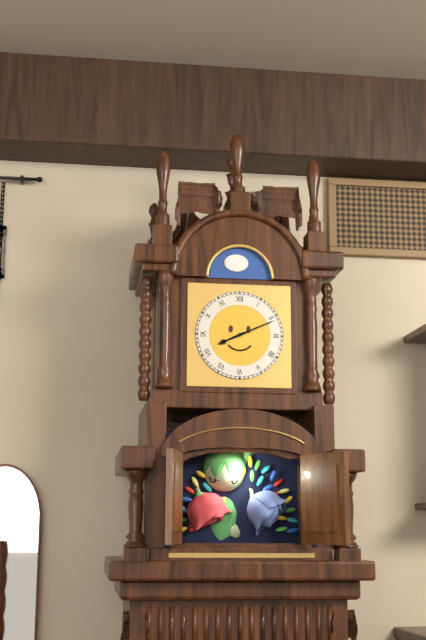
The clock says 8:11
